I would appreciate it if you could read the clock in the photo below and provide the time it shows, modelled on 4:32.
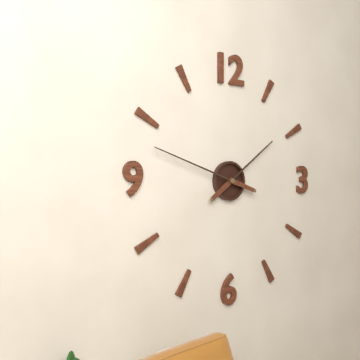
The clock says 1:48
